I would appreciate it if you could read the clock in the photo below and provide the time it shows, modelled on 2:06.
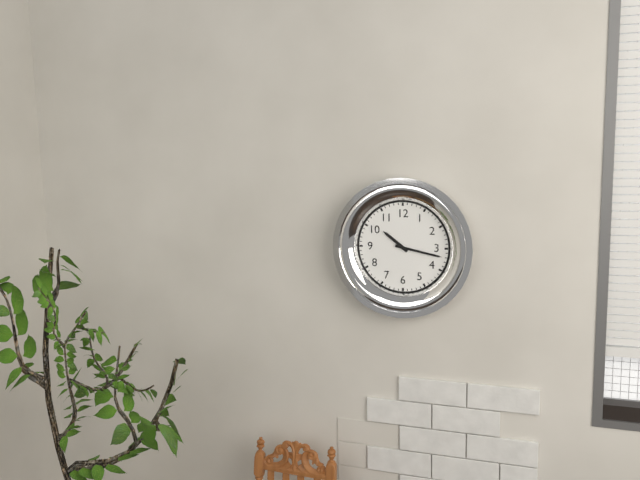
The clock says 10:17
